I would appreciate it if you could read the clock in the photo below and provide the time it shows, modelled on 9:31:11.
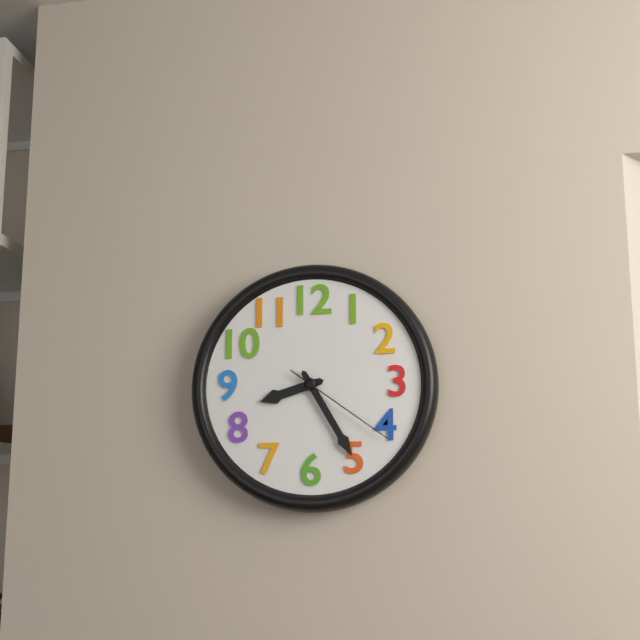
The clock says 8:25:21
